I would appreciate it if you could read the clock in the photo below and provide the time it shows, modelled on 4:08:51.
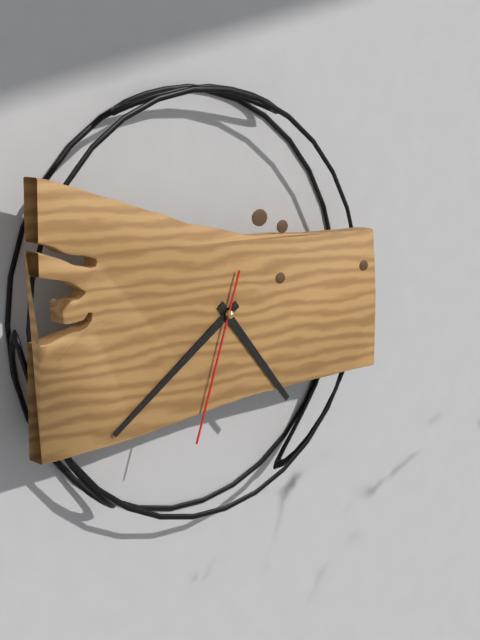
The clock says 4:39:33
